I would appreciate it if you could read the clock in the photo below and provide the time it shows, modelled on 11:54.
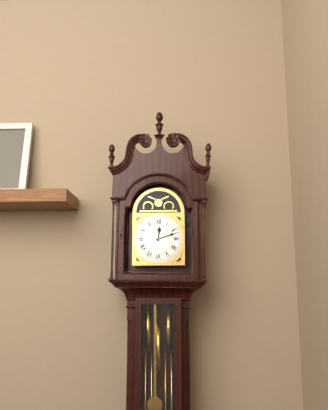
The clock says 12:12
